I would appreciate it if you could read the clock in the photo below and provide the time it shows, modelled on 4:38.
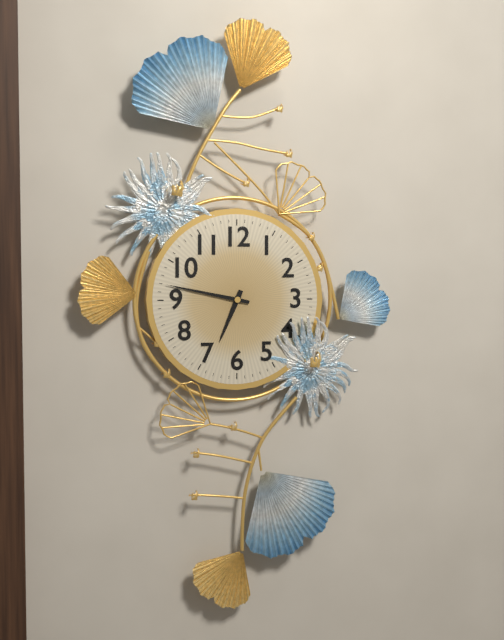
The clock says 6:47
